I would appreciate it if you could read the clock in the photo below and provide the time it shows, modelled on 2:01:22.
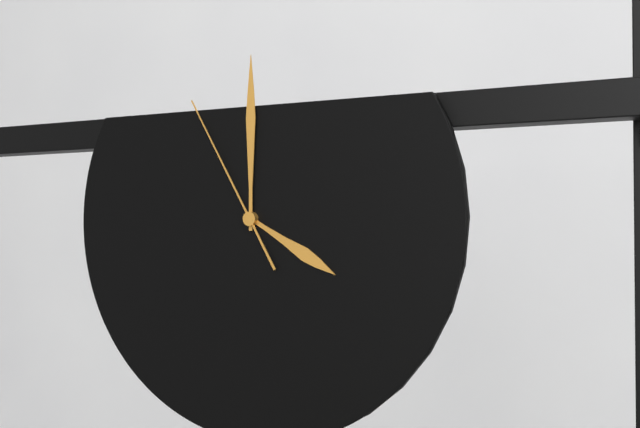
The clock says 4:00:55
